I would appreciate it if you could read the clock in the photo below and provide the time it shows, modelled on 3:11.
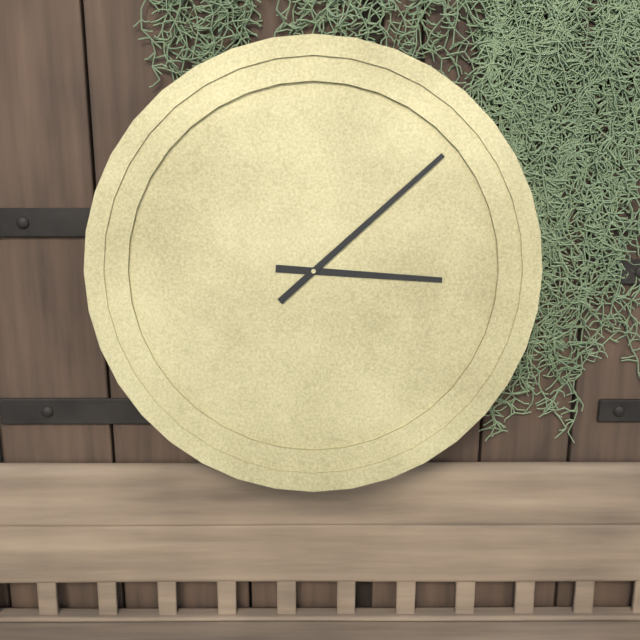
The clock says 3:08
